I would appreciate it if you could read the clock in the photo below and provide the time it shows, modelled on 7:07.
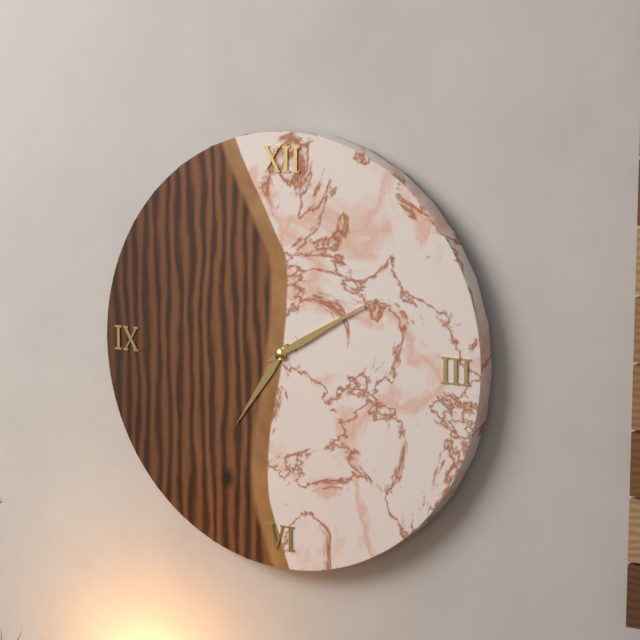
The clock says 7:10
